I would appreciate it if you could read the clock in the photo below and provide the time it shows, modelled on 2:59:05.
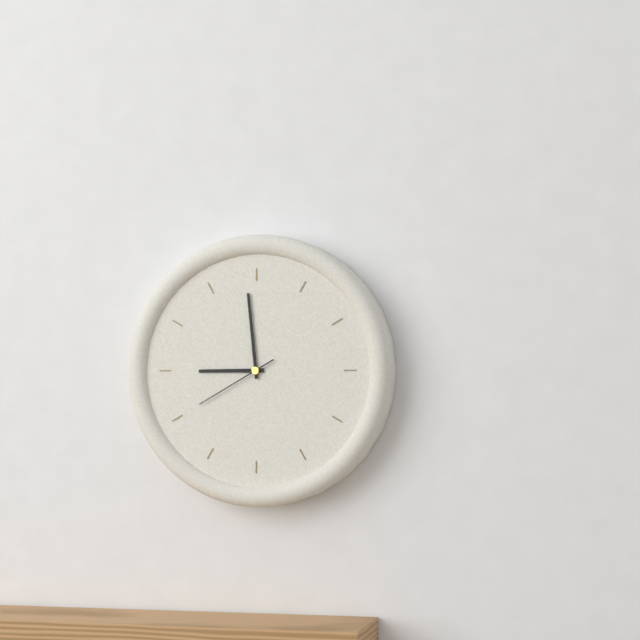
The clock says 8:59:40
